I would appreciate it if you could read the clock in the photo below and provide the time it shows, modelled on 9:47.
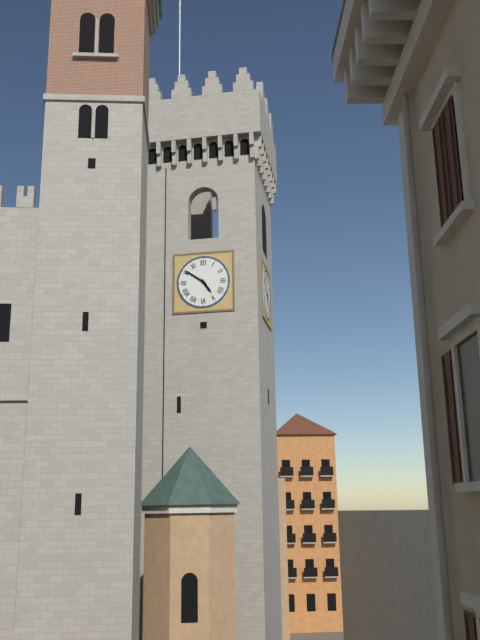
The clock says 4:51
